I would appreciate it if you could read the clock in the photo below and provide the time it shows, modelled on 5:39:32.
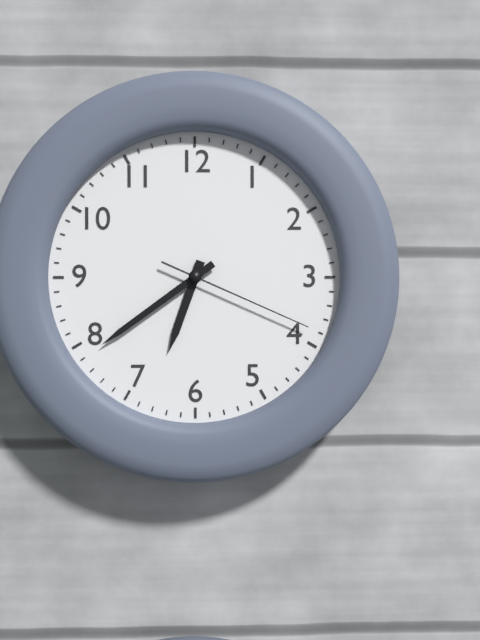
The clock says 6:39:19
